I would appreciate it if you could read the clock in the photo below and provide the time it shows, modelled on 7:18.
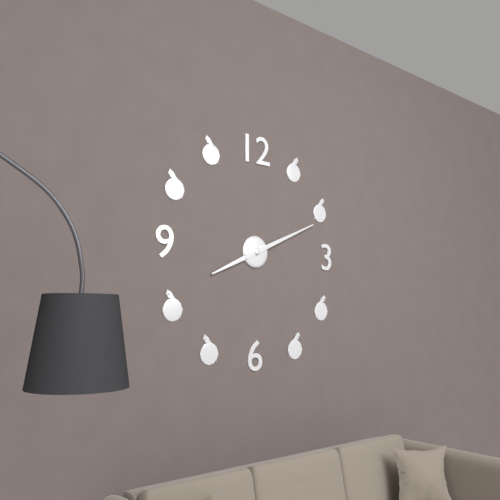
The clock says 8:11
